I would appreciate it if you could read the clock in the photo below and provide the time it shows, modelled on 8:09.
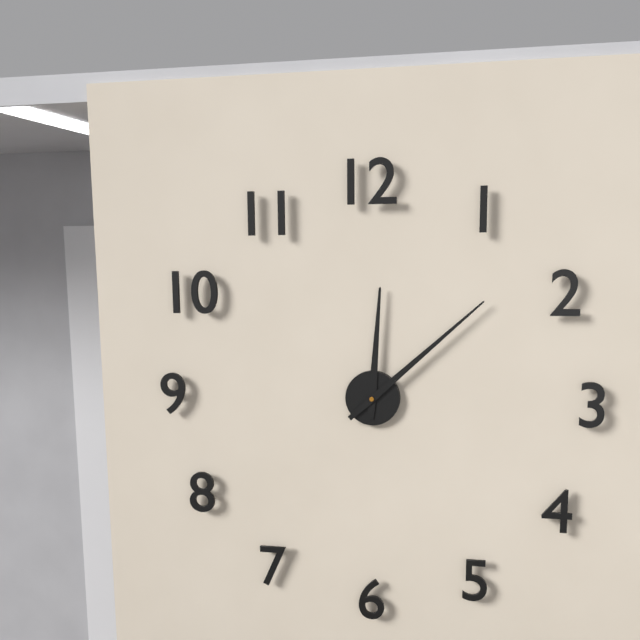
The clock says 12:08
